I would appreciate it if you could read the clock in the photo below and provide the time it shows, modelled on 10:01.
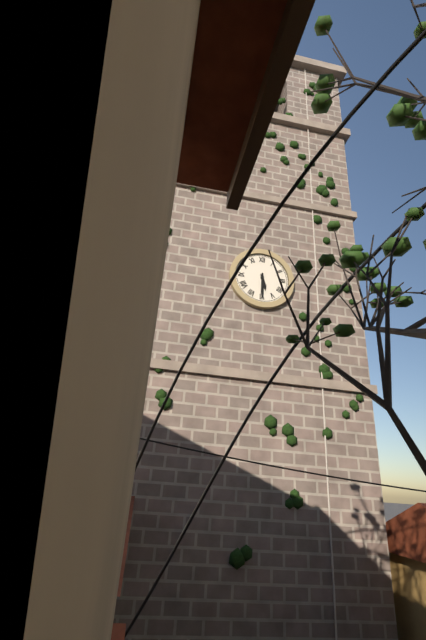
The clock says 5:30
